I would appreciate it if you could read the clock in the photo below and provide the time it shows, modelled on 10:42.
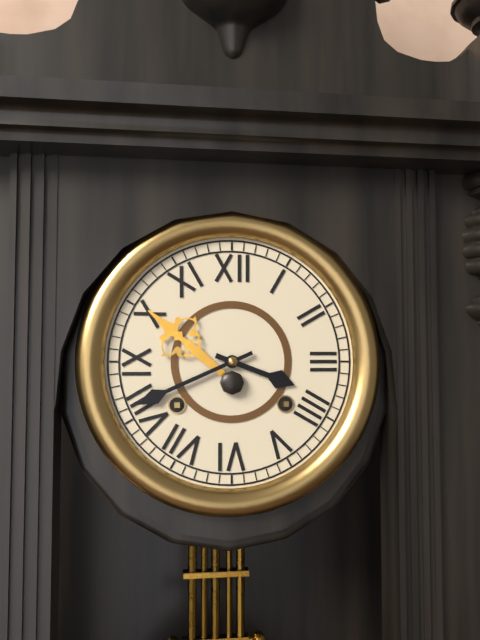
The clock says 3:41
